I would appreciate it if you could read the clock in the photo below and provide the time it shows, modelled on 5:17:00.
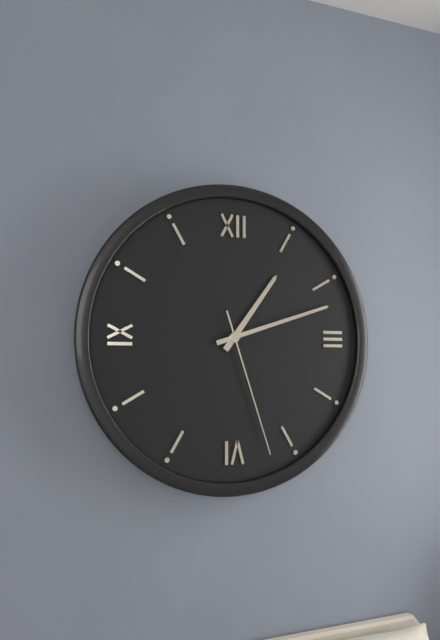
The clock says 1:12:27
